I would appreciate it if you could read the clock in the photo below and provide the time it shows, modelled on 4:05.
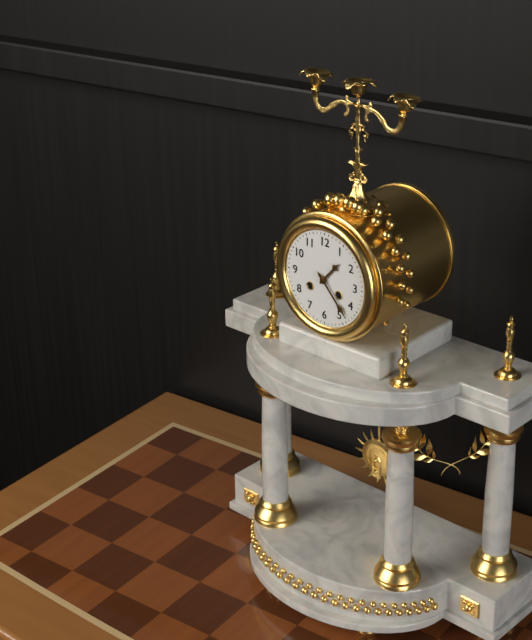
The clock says 1:23
